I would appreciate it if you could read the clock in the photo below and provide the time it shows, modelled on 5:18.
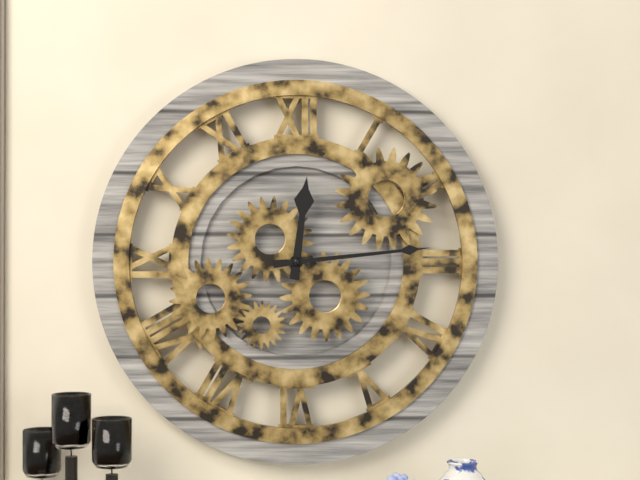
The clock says 12:14
